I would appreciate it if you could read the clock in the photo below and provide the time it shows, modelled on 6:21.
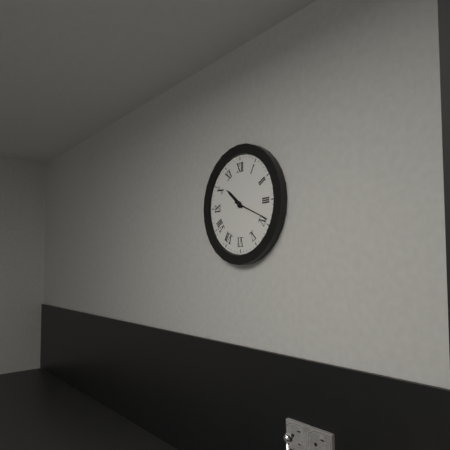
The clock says 10:19
